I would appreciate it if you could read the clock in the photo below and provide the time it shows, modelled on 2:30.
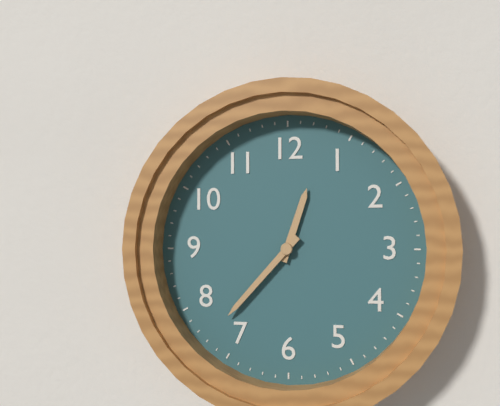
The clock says 12:37
